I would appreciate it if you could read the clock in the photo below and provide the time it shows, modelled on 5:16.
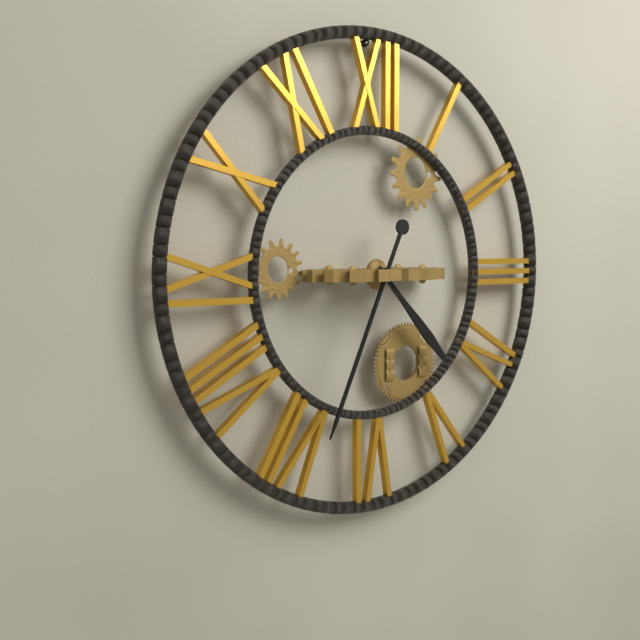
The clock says 4:34
